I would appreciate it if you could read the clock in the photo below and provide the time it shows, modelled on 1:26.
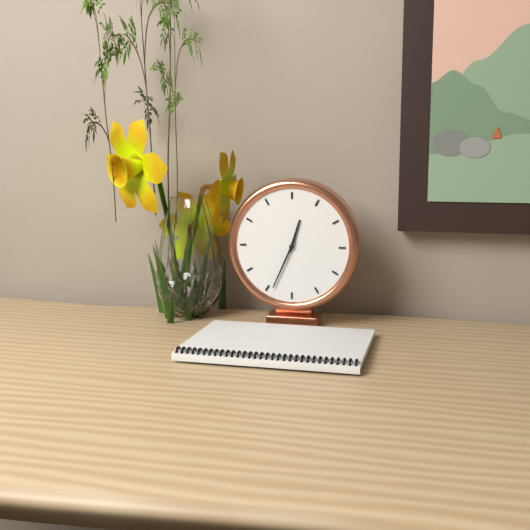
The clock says 12:34
